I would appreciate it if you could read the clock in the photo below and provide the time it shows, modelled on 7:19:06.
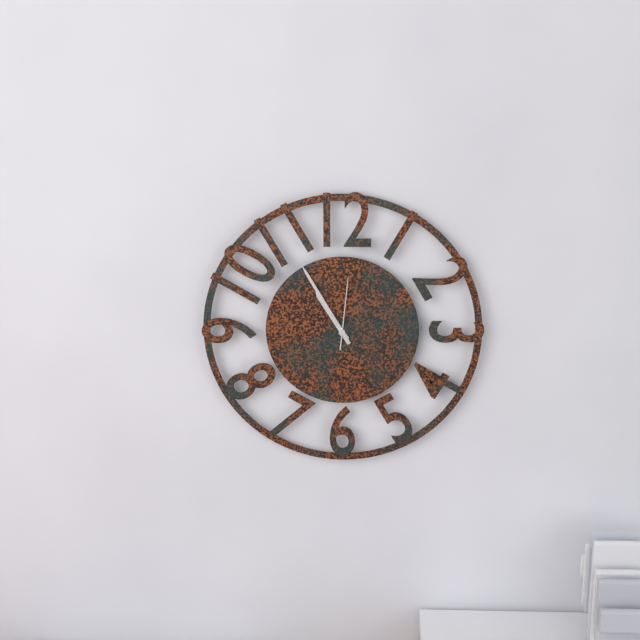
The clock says 10:55:01
